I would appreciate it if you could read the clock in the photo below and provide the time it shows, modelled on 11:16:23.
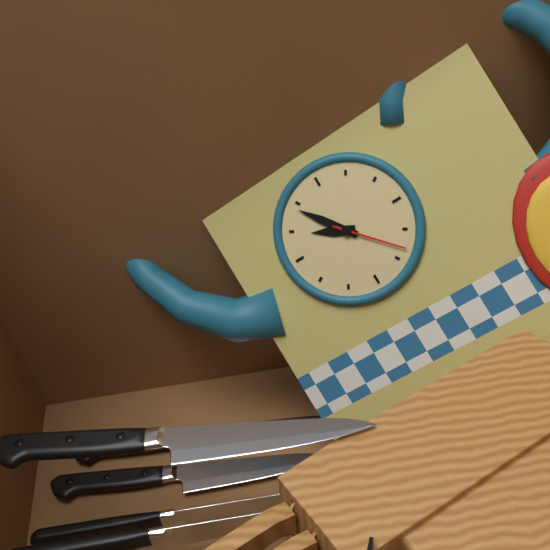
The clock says 9:54:23
